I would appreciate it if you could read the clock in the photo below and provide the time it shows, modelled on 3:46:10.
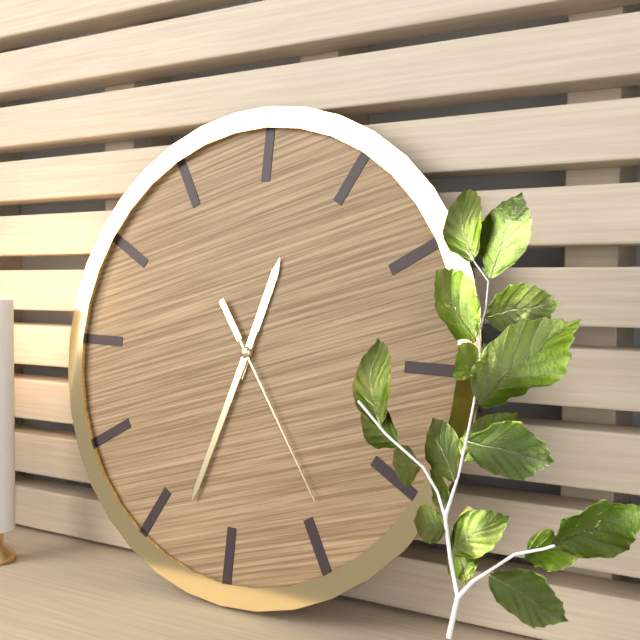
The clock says 12:33:24
